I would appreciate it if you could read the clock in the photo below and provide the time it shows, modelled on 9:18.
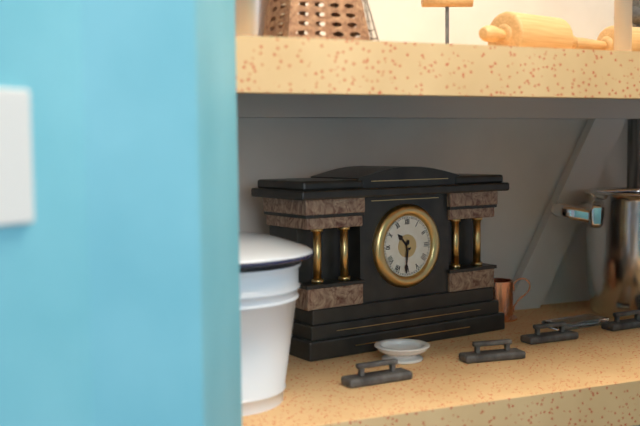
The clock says 10:31
